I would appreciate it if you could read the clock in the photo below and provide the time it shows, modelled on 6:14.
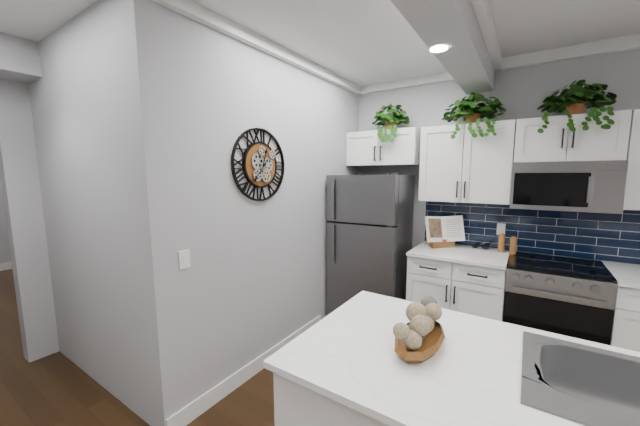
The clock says 12:37
